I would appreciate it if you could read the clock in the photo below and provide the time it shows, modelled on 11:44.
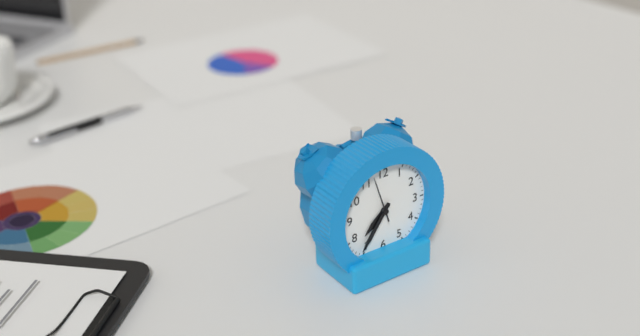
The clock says 7:36
